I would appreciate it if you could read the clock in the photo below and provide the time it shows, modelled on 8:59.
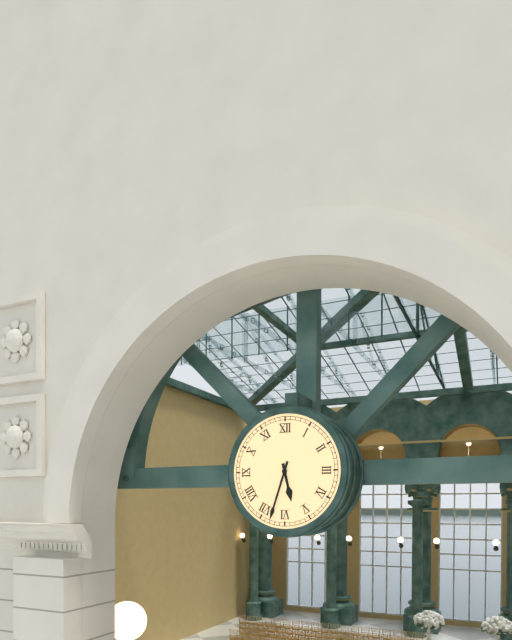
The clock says 5:33
